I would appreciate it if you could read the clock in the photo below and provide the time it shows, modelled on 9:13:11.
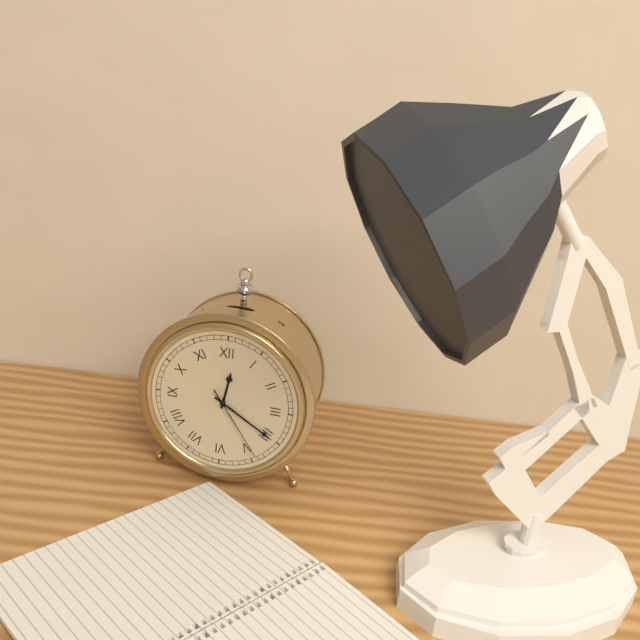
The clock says 12:20:24
